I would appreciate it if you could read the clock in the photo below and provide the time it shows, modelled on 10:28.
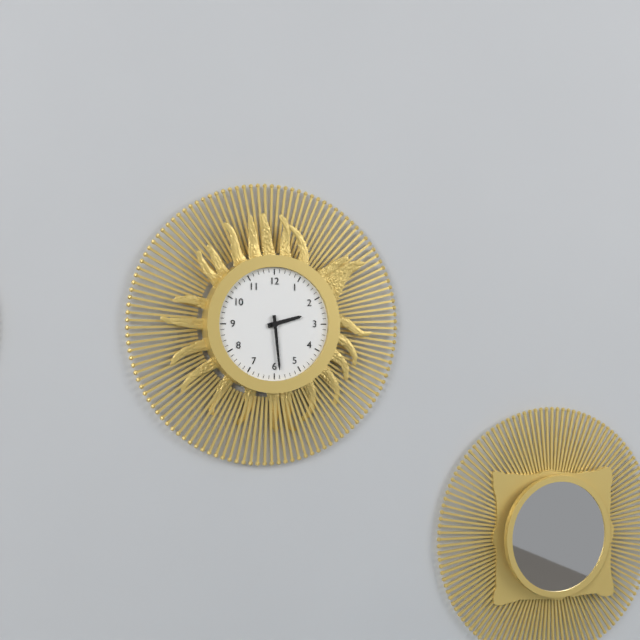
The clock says 2:29
